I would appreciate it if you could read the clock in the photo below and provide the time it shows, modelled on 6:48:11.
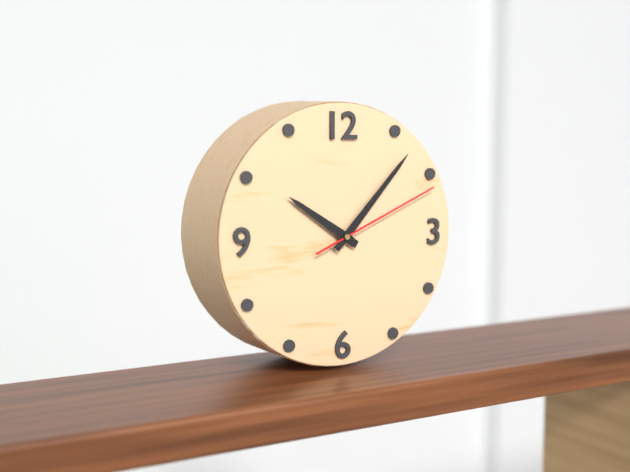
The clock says 10:07:11
